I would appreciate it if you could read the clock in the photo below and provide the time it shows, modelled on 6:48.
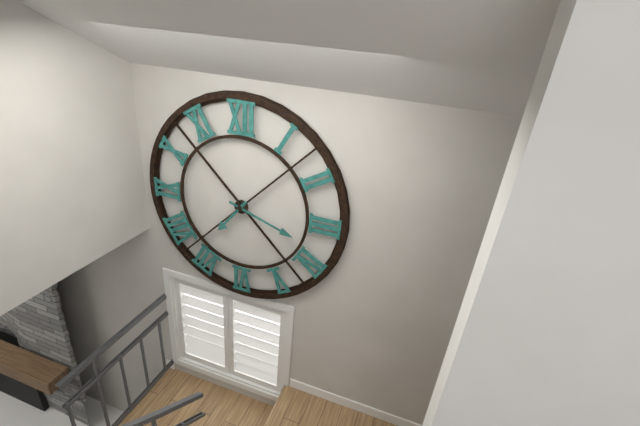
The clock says 7:18
